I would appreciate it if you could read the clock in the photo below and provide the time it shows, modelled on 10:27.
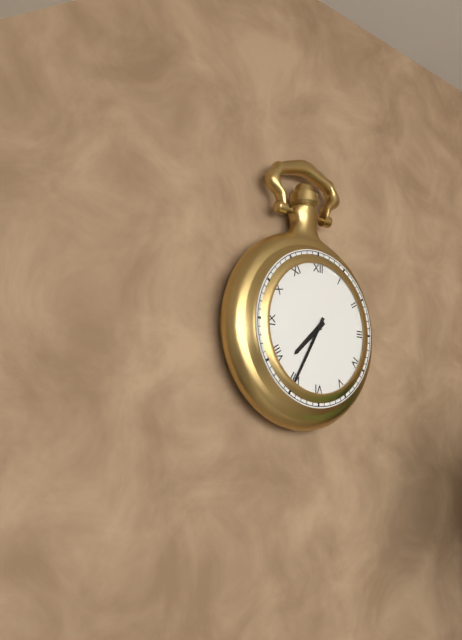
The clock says 7:35
